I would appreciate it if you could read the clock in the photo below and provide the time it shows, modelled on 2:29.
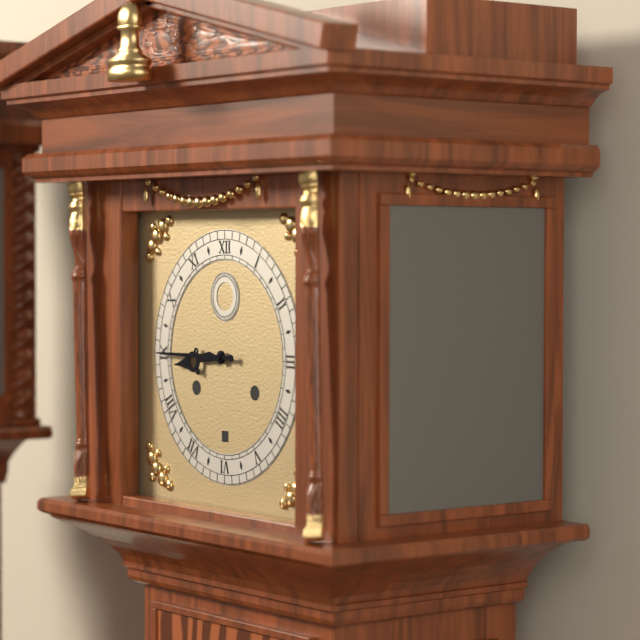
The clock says 8:45
